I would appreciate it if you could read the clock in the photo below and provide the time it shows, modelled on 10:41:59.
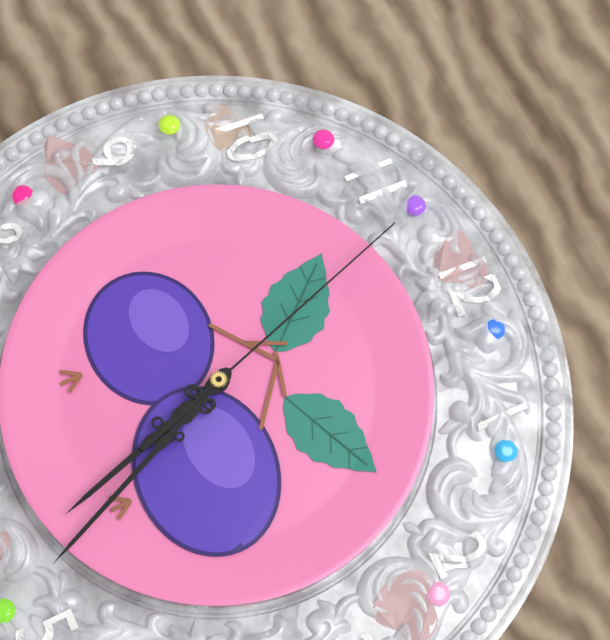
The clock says 5:26:57
